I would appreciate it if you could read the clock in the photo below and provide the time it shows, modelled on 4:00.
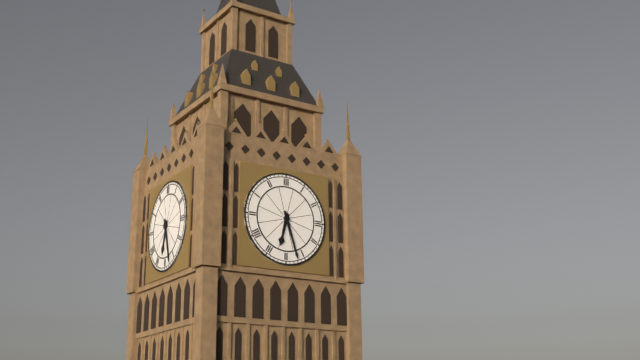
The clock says 6:27
